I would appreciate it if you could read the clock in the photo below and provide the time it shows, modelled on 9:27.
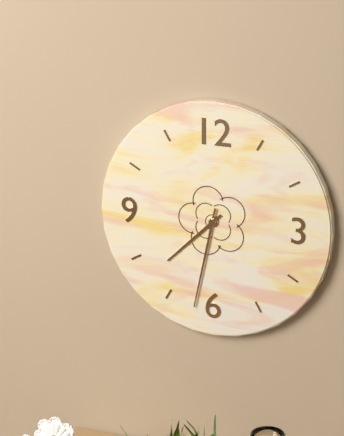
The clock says 7:32
